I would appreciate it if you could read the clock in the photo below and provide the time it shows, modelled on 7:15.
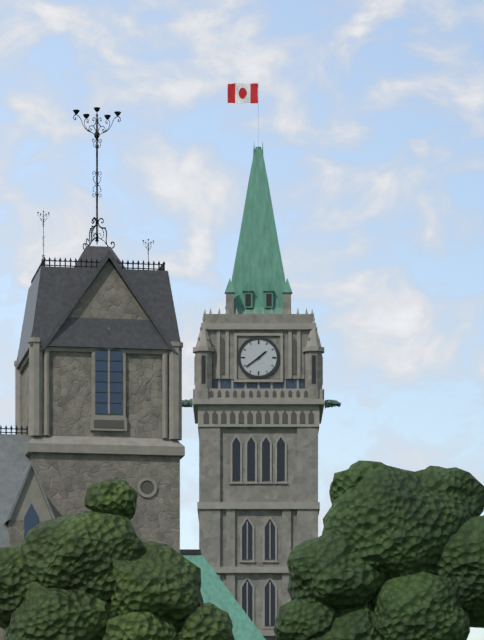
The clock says 1:39
